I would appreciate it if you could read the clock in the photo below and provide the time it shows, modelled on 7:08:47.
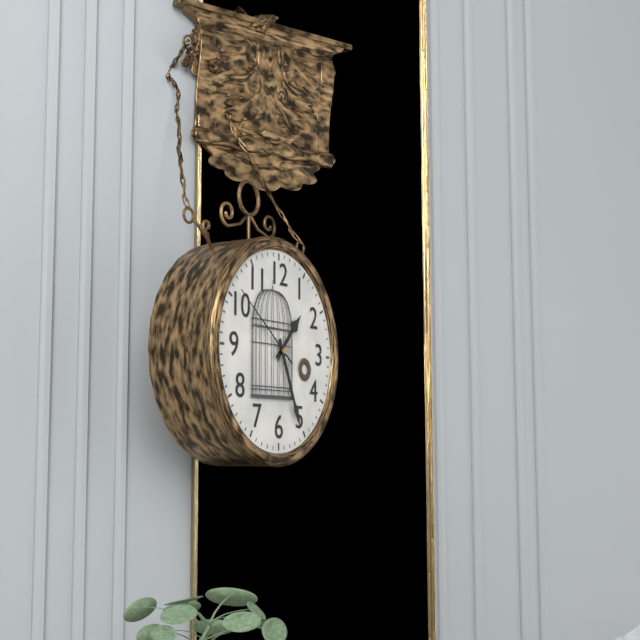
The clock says 1:26:51
